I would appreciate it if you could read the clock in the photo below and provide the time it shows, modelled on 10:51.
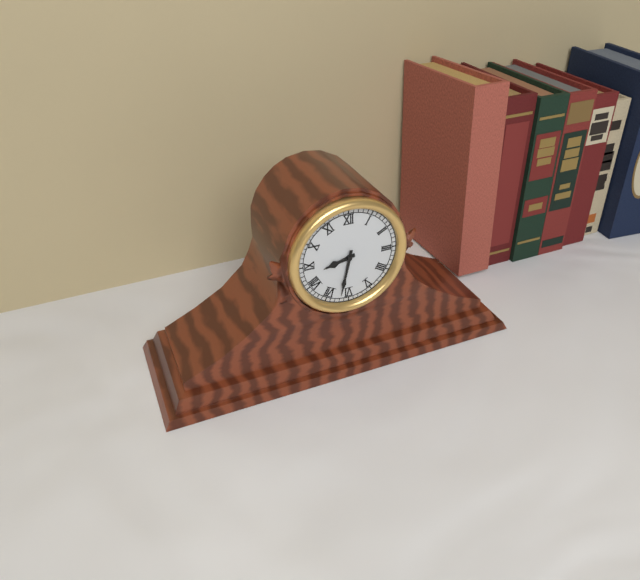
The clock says 8:32
